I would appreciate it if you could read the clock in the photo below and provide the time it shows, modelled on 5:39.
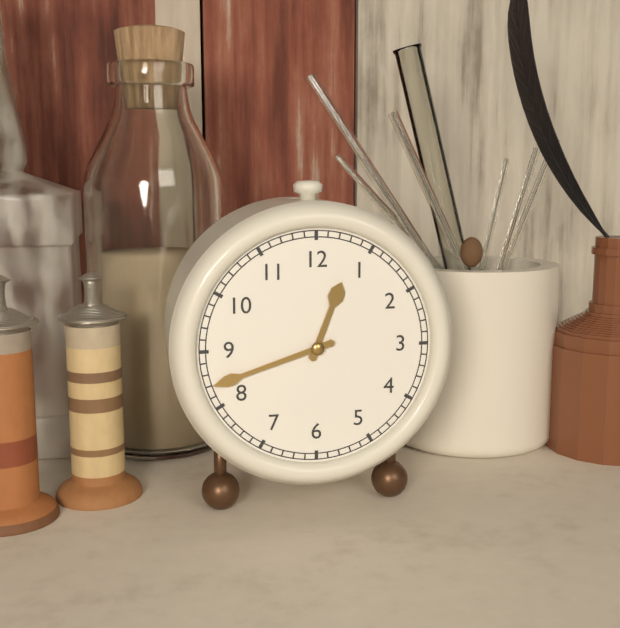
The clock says 12:42
